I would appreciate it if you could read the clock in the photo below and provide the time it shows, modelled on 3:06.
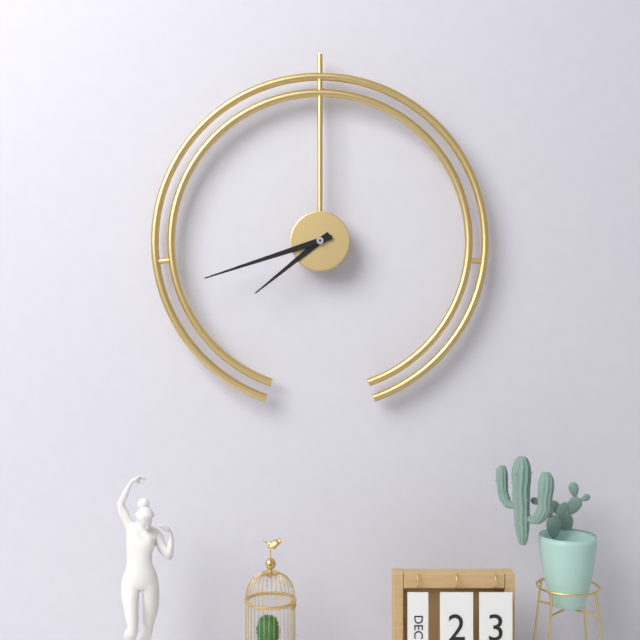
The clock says 7:42
